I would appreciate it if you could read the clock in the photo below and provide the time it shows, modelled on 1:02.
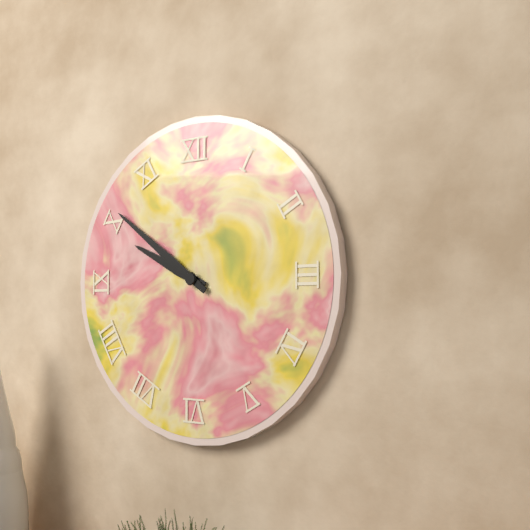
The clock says 9:51
